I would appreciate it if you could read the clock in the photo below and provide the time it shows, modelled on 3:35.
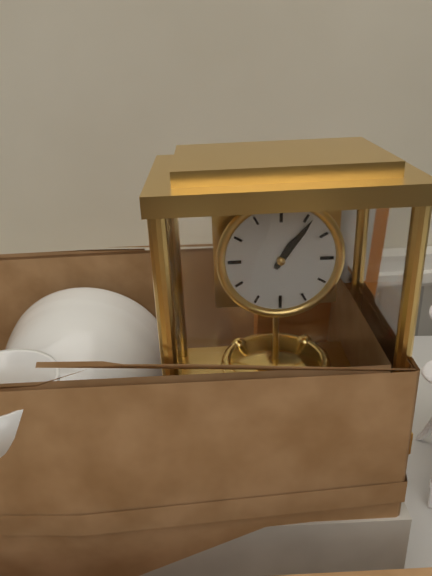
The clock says 1:06
